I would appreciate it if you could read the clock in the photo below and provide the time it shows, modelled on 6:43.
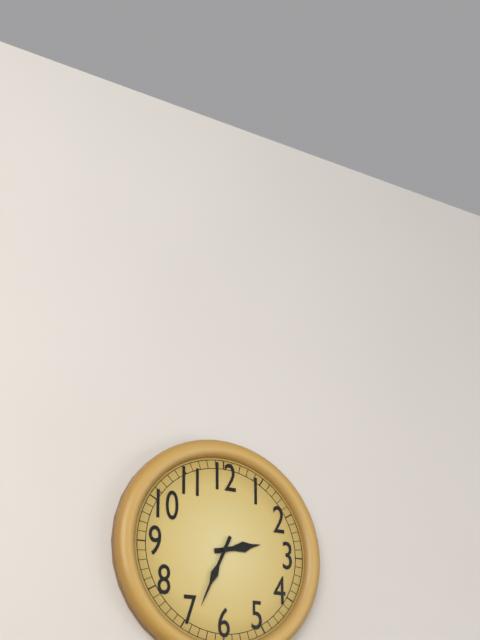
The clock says 2:34
